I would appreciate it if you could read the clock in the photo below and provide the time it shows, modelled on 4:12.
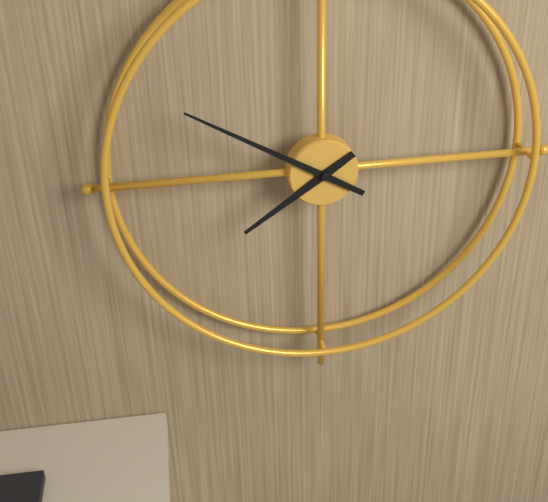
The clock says 7:50
